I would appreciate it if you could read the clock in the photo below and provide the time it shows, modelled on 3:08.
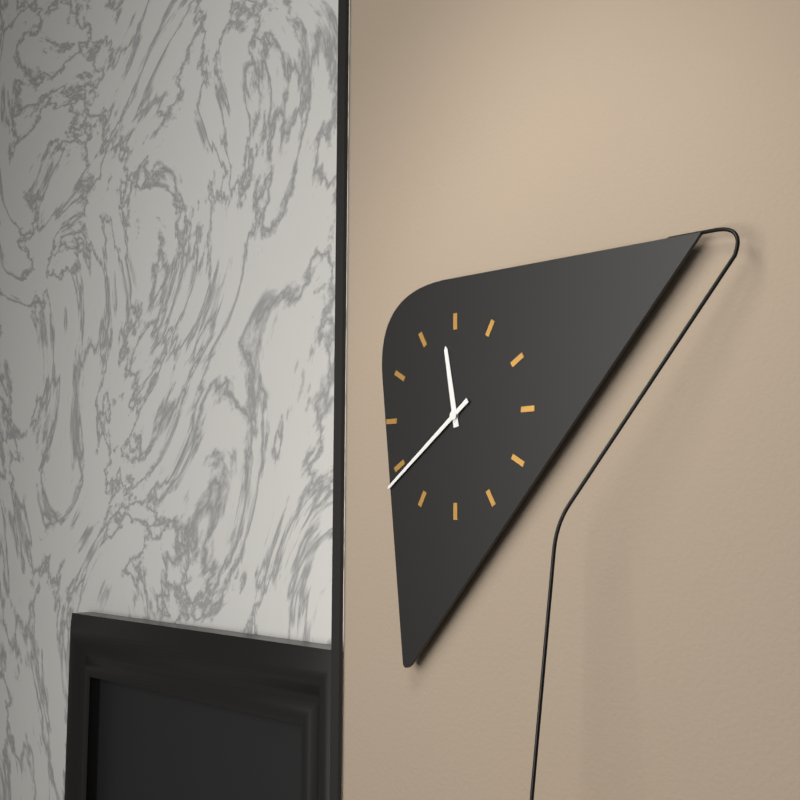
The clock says 11:39
